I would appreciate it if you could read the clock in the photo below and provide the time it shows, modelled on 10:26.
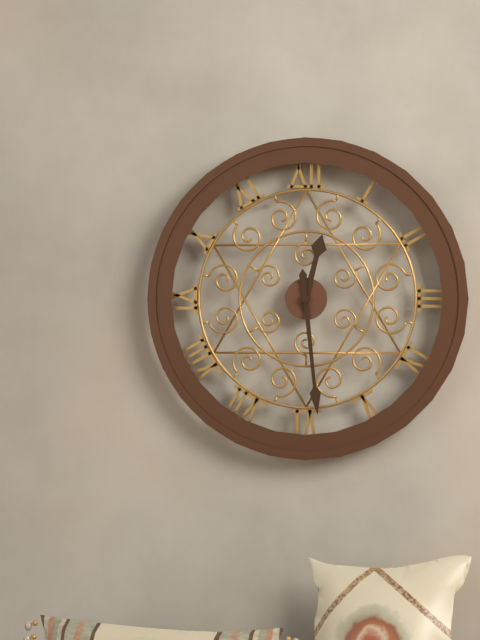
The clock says 12:29
